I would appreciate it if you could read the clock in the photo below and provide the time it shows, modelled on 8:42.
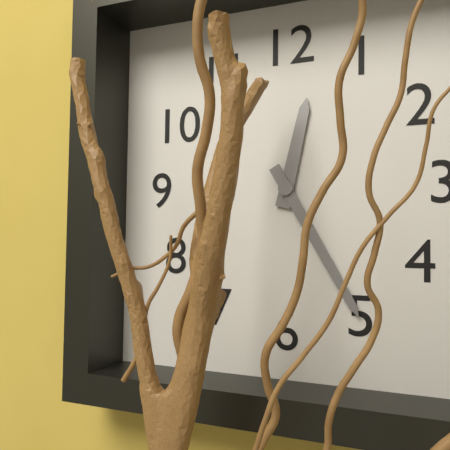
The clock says 12:25
